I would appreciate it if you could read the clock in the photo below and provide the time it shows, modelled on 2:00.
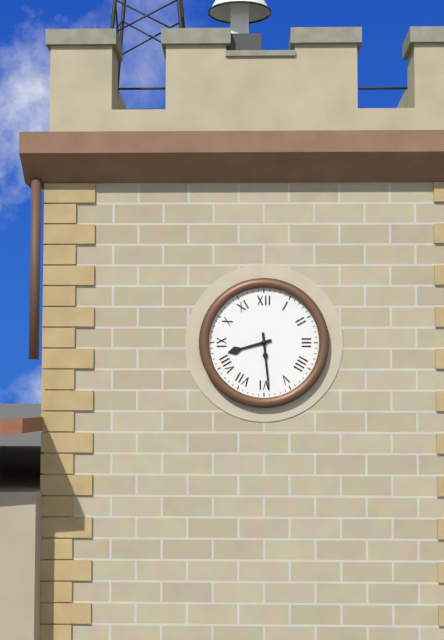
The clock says 8:29
